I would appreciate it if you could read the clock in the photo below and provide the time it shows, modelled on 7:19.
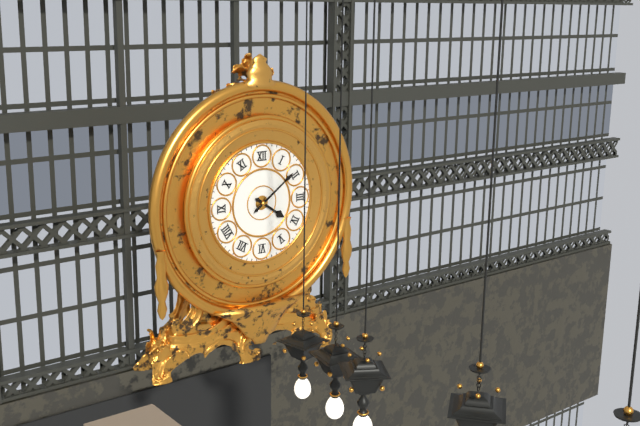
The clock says 4:09
